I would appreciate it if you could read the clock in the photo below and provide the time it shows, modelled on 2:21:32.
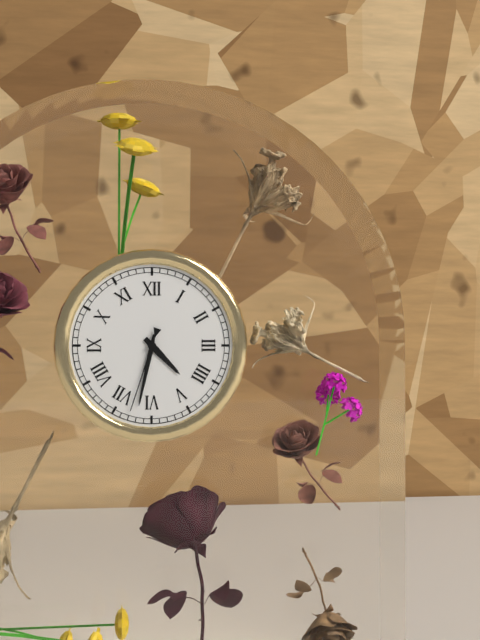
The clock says 4:32:33
